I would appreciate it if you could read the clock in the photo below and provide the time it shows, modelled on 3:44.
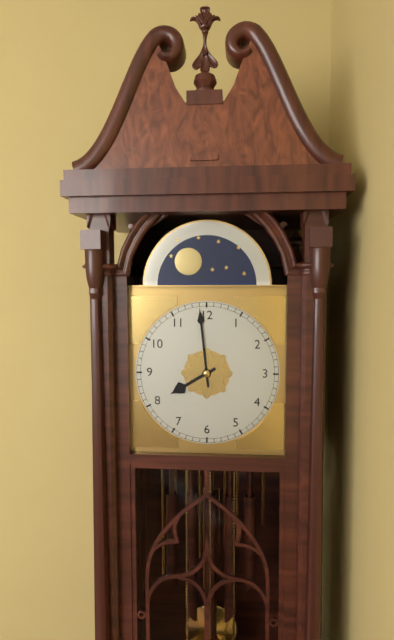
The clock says 7:59
